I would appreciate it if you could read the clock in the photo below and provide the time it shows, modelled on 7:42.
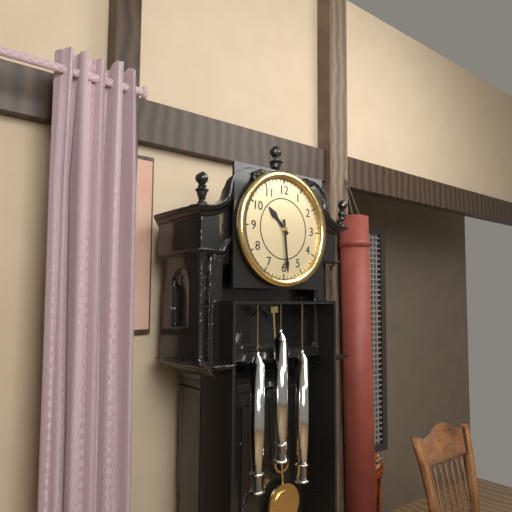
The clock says 10:29
